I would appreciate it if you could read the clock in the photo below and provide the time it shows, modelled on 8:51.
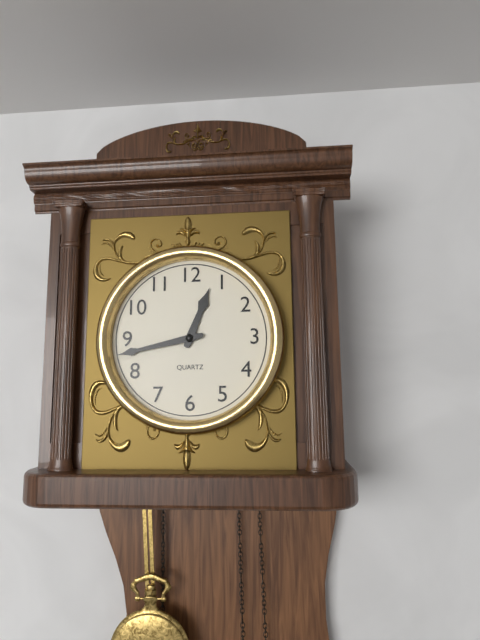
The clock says 12:43
